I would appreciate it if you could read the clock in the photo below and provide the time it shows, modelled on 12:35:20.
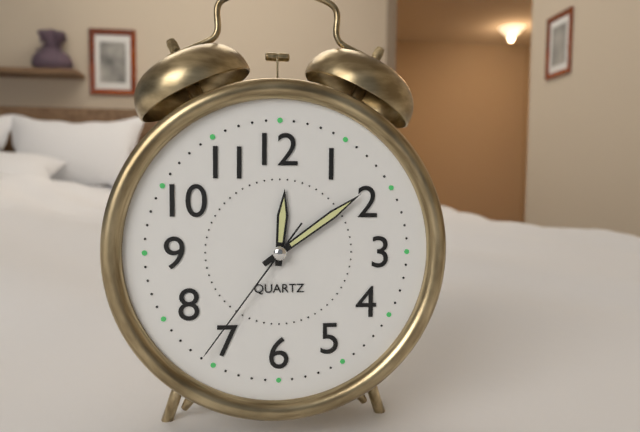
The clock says 12:09:36
